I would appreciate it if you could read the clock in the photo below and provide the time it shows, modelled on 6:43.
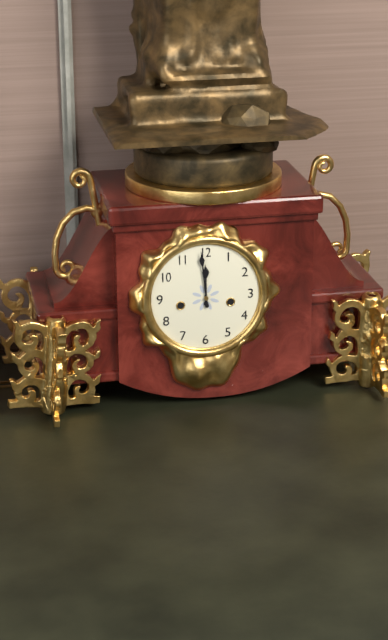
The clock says 11:59
